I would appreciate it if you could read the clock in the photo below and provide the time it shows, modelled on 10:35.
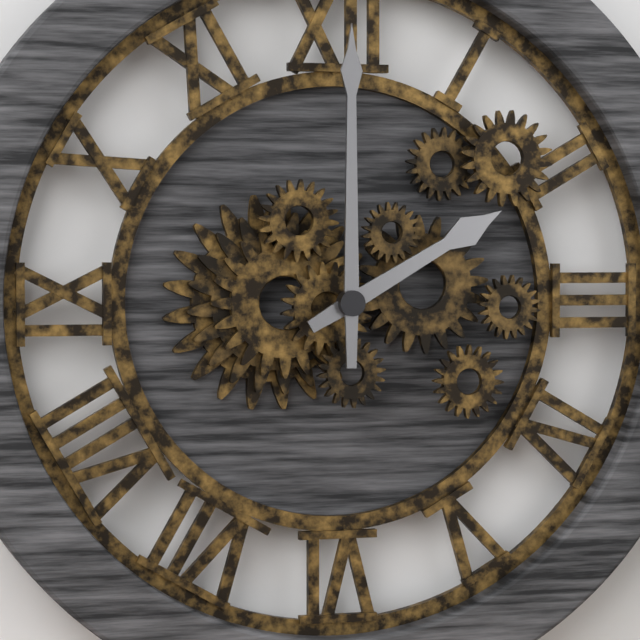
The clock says 2:00
